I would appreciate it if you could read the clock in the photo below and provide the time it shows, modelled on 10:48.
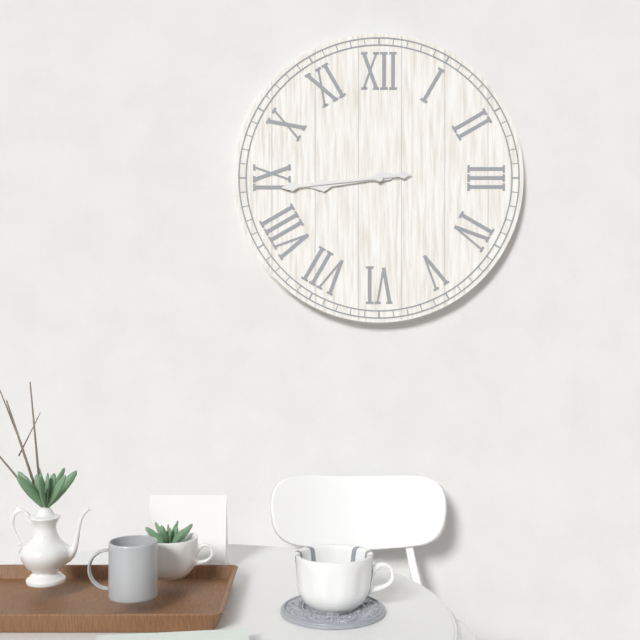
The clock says 8:44
